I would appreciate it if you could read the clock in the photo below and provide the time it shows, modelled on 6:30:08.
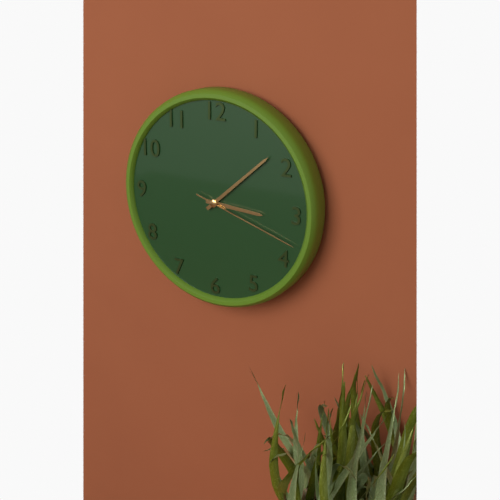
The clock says 3:08:18
